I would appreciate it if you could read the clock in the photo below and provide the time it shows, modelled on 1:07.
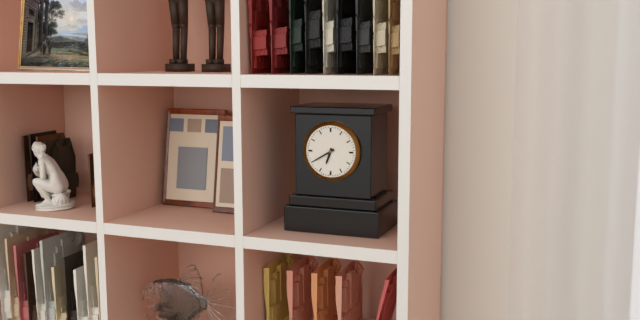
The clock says 6:40
